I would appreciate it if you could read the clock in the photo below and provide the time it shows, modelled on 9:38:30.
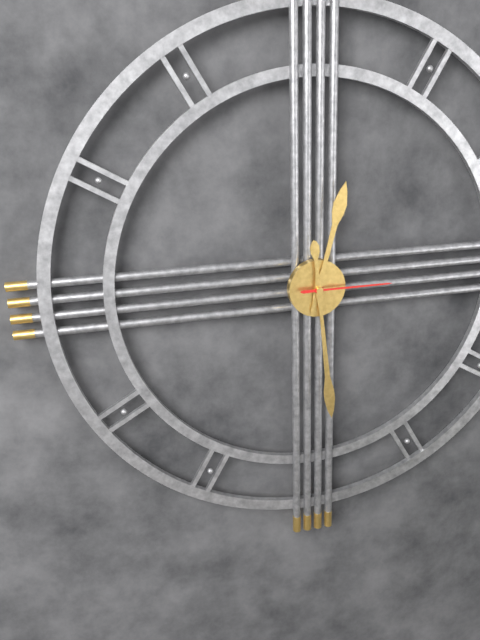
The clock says 12:29:15
